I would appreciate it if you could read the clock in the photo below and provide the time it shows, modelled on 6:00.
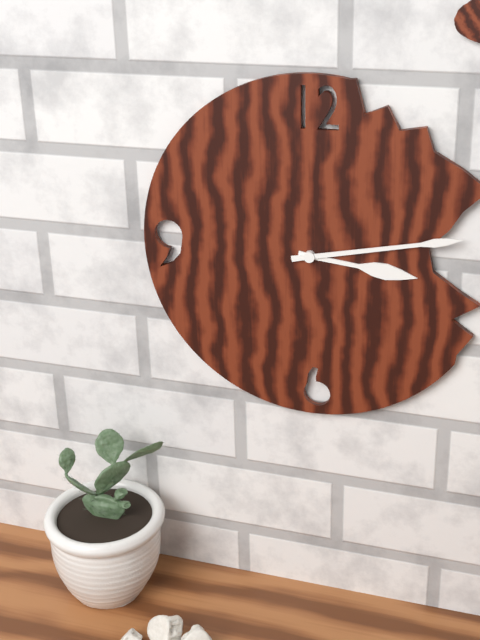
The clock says 3:13
